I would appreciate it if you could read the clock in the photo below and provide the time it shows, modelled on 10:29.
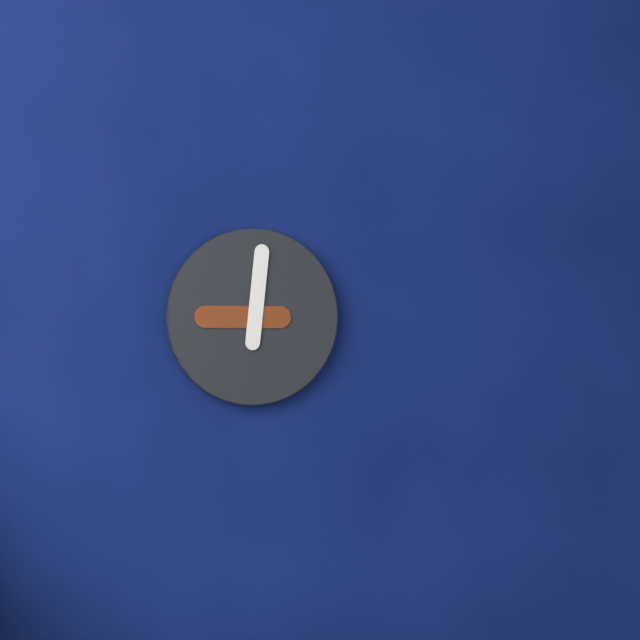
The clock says 9:01
